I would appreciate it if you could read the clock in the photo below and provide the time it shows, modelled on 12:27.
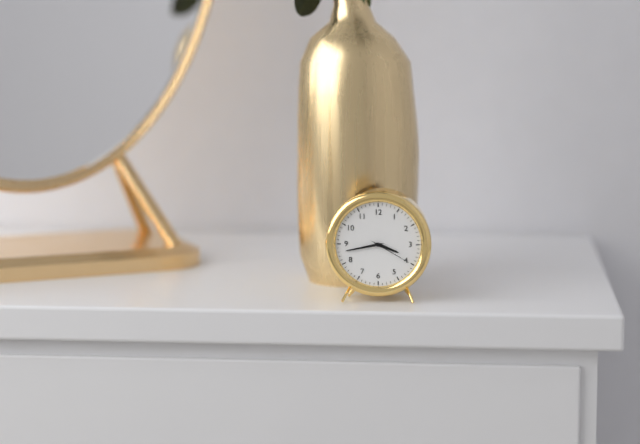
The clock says 3:43
